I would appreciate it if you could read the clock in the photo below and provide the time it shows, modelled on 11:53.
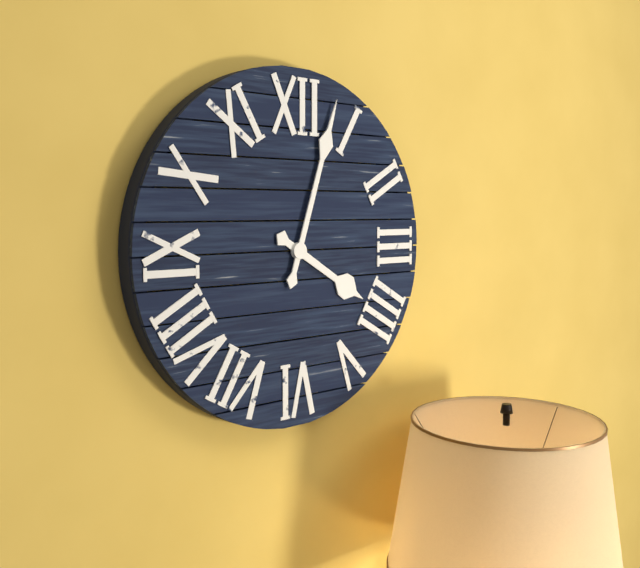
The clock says 4:03
